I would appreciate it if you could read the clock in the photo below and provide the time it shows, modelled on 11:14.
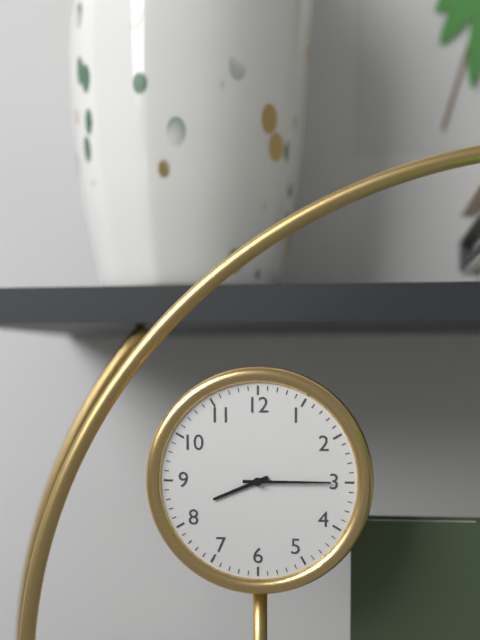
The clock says 8:15
